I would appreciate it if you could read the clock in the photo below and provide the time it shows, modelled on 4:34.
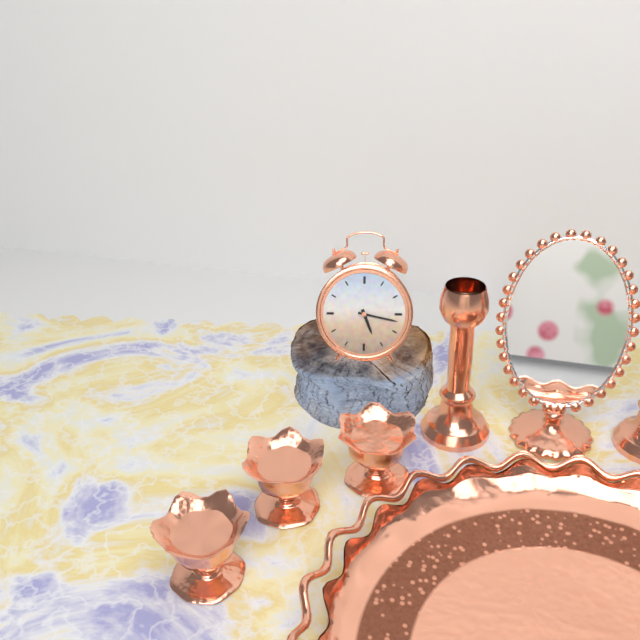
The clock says 5:17
